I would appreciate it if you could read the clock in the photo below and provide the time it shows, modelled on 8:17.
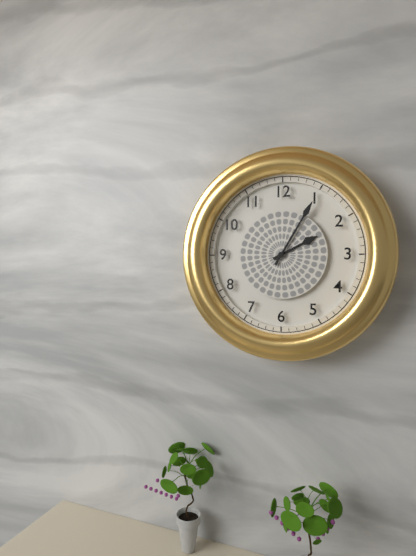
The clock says 2:05
